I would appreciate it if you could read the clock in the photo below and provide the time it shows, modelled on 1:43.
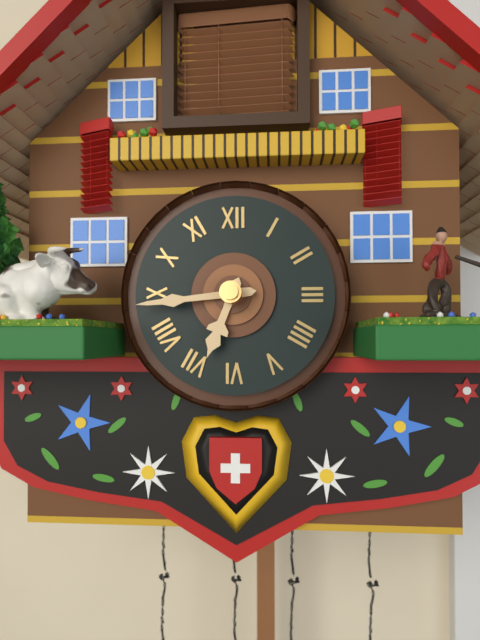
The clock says 6:44
